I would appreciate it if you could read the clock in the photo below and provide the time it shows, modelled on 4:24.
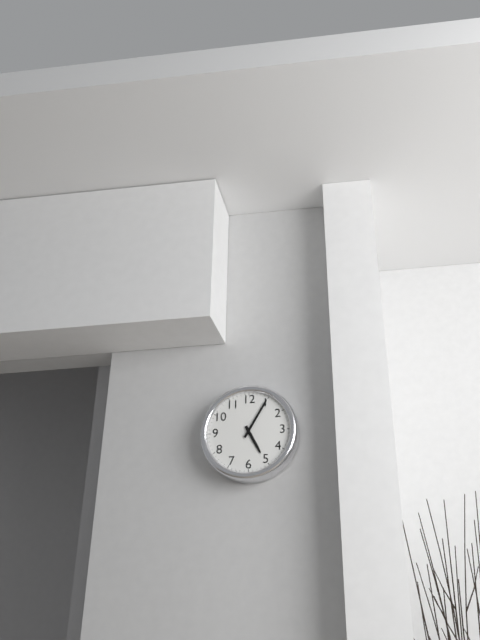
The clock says 5:05
